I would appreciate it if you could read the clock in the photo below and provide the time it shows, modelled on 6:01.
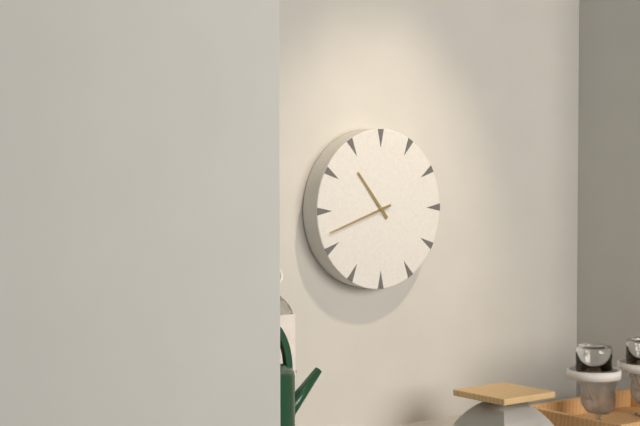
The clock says 10:42
